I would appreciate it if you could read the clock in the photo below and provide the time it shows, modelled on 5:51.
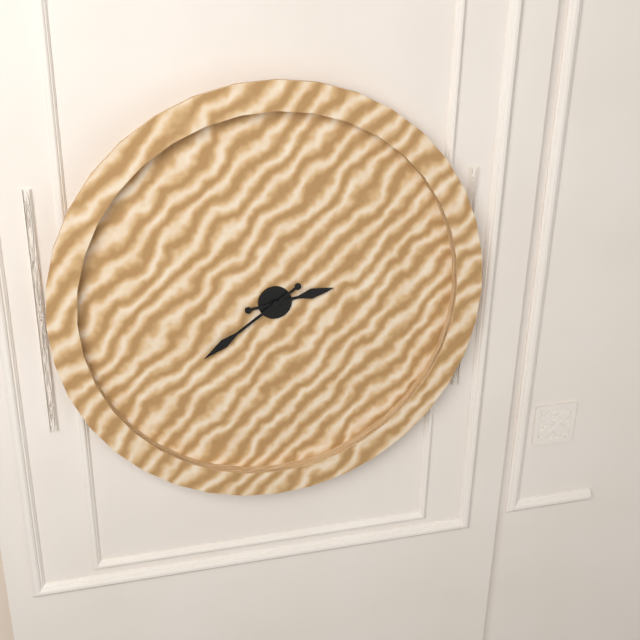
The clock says 2:39
